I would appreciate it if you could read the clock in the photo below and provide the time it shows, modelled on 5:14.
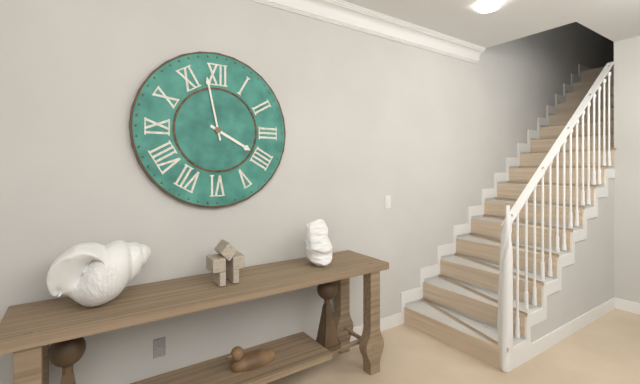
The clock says 3:58
